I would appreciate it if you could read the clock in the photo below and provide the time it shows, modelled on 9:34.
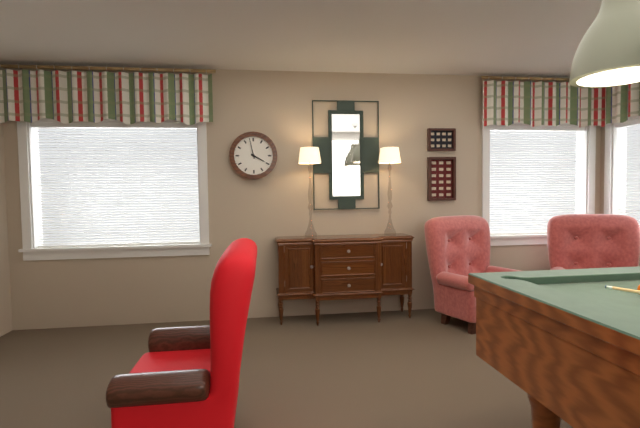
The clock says 3:58
